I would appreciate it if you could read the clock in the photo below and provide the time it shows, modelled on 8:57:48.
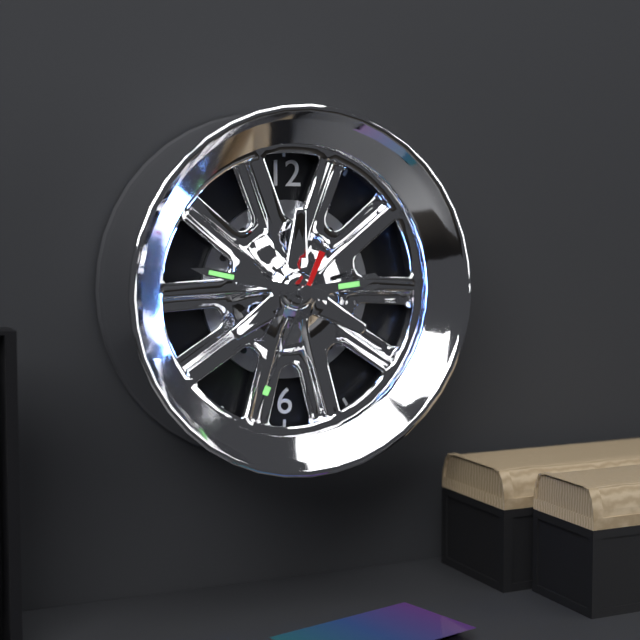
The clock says 2:47:34
